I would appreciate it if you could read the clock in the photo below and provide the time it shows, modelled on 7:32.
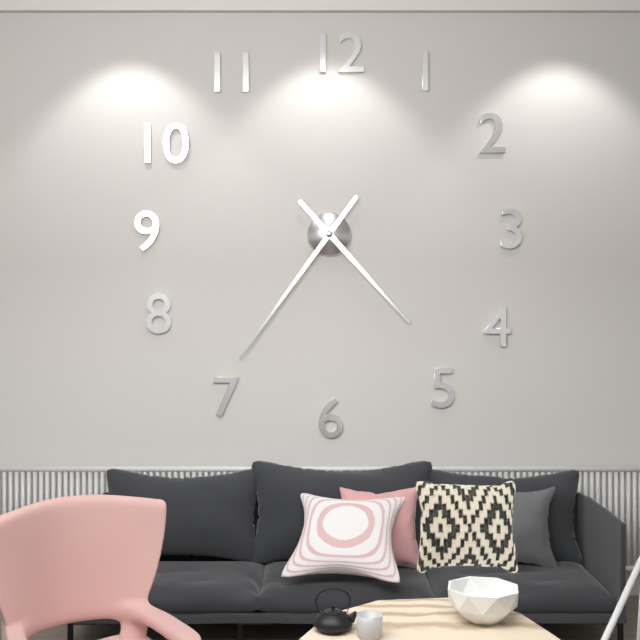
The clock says 4:36
